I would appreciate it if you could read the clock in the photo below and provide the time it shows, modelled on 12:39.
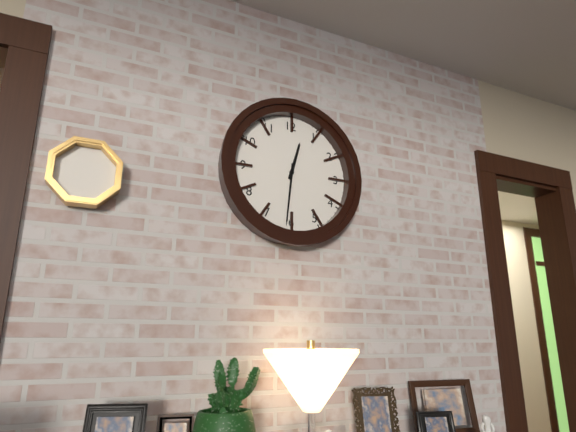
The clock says 12:31
